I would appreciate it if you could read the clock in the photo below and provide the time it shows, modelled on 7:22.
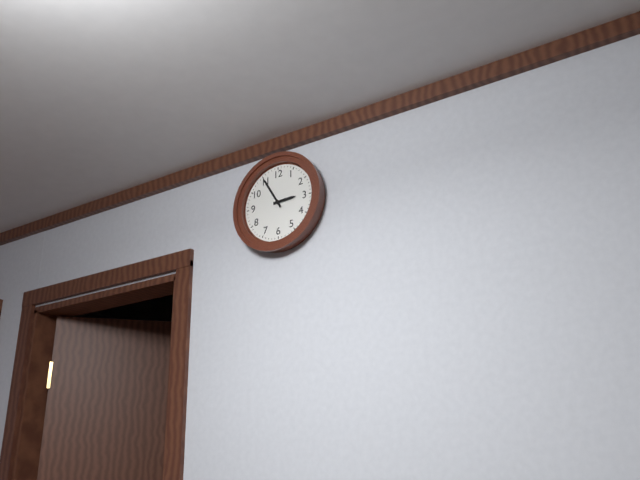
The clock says 2:55
